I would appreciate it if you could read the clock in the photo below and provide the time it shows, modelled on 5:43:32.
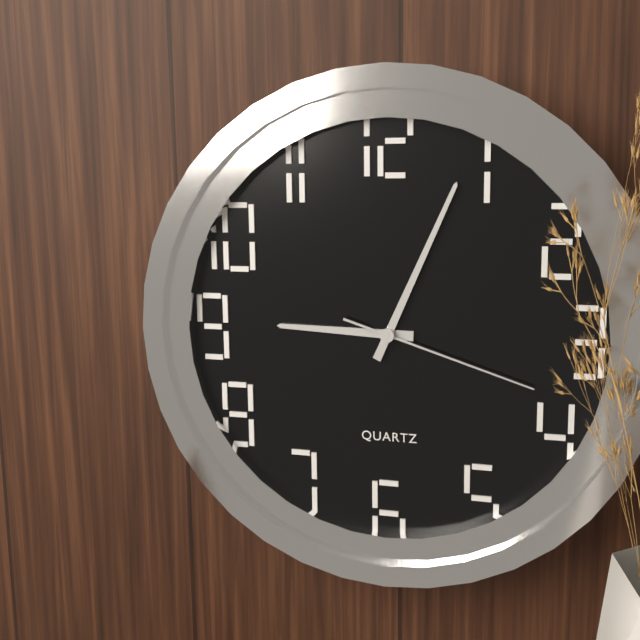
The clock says 9:04:18
